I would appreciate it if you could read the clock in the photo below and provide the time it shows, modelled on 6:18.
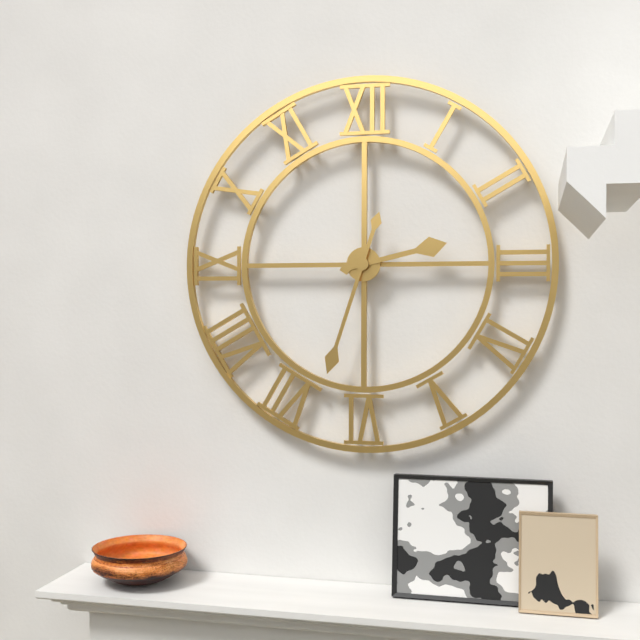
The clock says 2:33
